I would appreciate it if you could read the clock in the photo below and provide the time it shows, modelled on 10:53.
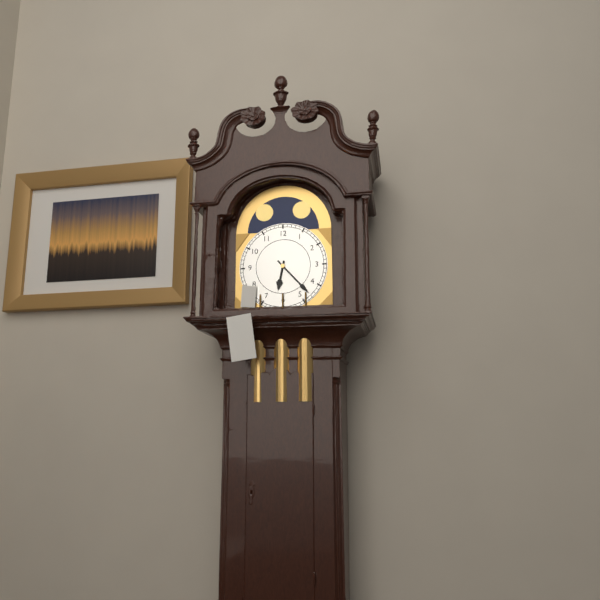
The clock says 6:23
